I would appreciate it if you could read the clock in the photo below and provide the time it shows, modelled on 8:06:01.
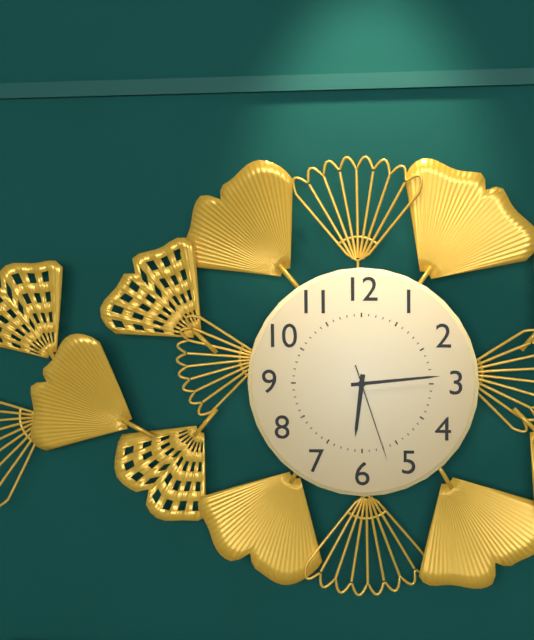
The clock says 6:14:27
